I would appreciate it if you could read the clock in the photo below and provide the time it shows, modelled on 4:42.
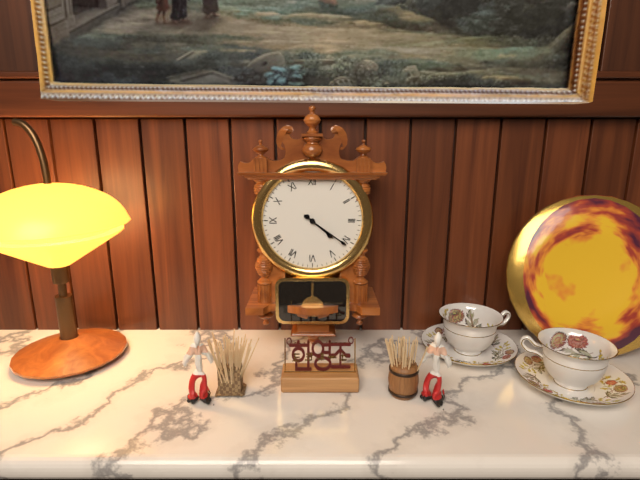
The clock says 4:21
